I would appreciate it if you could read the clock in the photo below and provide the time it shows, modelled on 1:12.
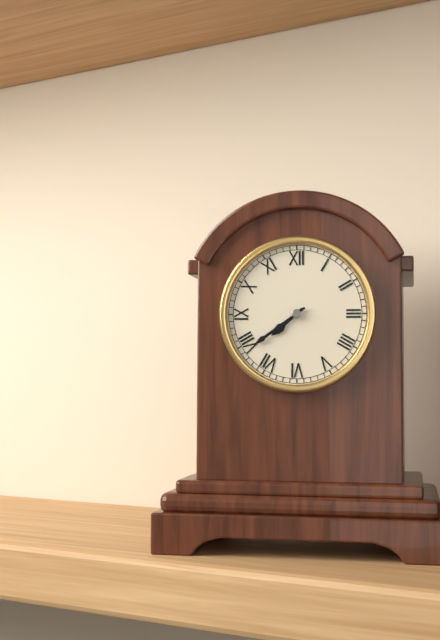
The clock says 7:39
